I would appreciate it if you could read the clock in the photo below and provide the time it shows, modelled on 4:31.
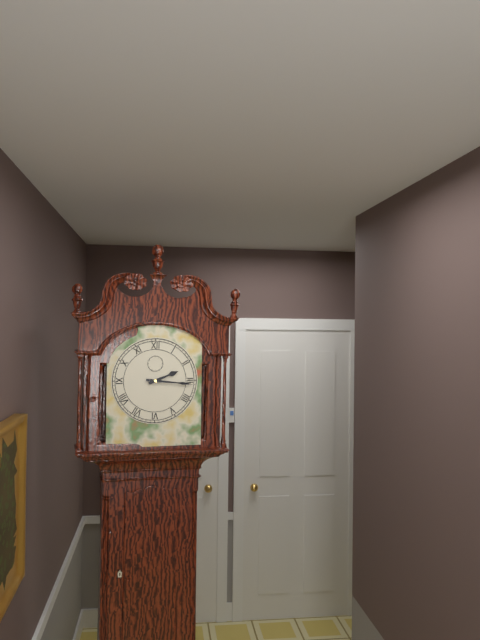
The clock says 2:16
